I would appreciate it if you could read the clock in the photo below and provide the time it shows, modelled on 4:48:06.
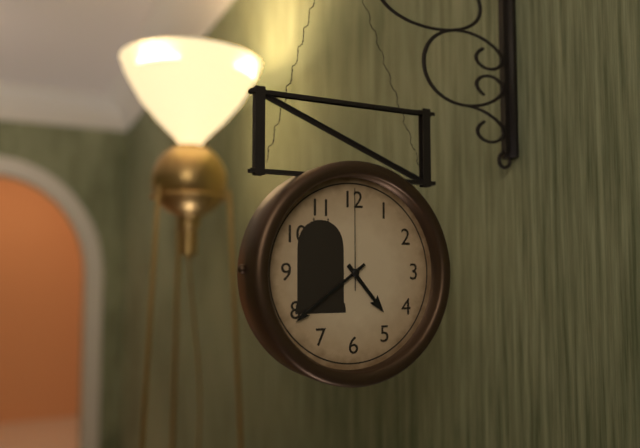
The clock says 4:39:00
